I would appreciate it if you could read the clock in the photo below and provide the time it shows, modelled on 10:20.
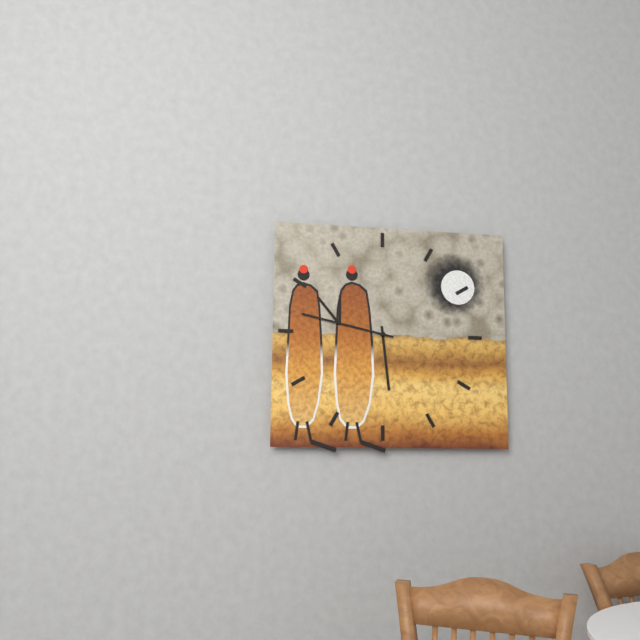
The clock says 5:47
